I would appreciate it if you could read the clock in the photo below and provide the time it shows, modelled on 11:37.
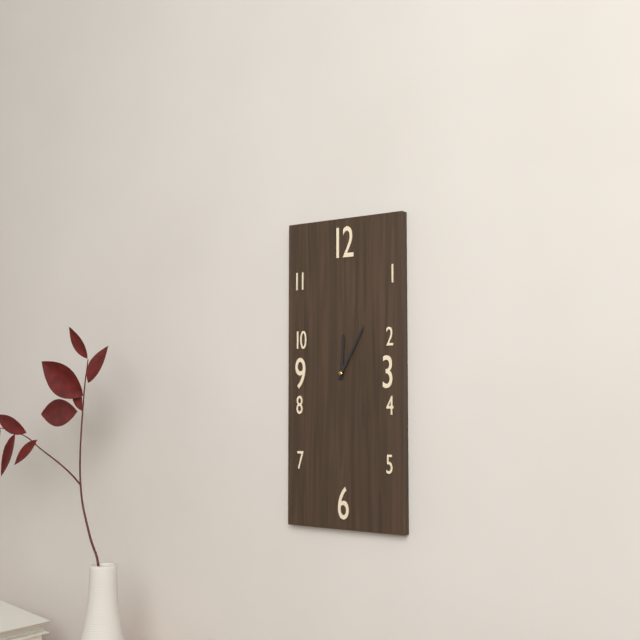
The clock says 12:05
